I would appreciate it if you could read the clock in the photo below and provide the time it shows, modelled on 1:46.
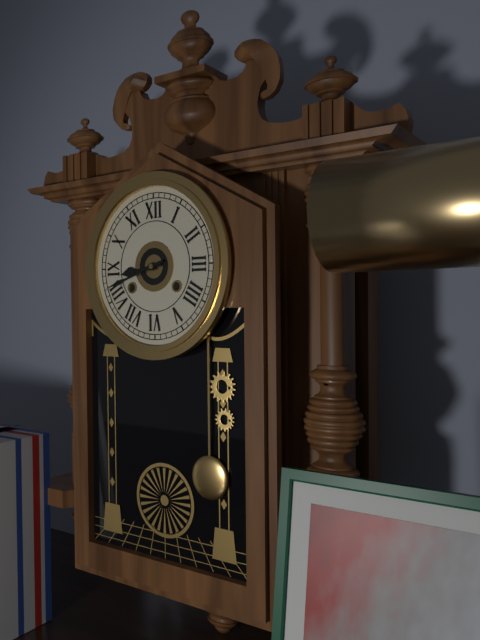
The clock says 8:42
